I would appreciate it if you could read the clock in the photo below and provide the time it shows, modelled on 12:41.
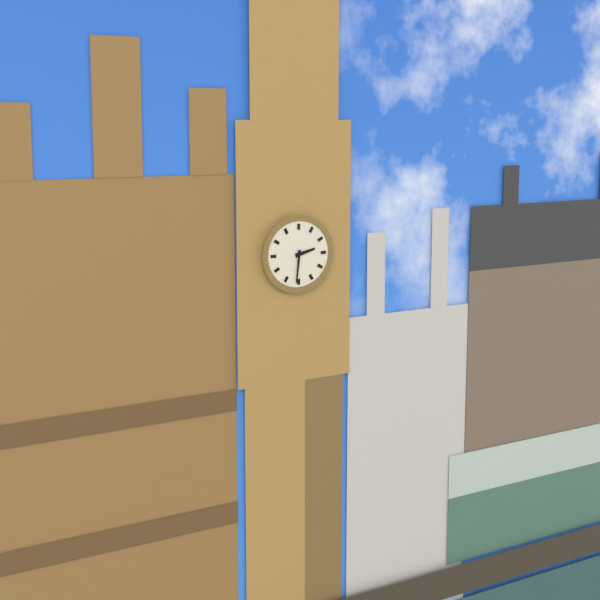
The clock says 2:31
